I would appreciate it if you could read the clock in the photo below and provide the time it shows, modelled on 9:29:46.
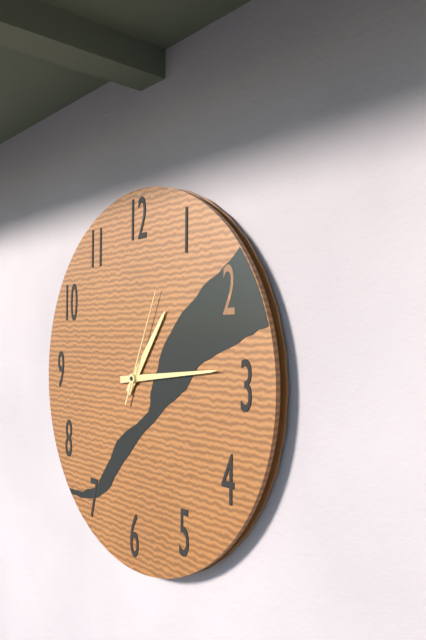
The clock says 1:14:04
